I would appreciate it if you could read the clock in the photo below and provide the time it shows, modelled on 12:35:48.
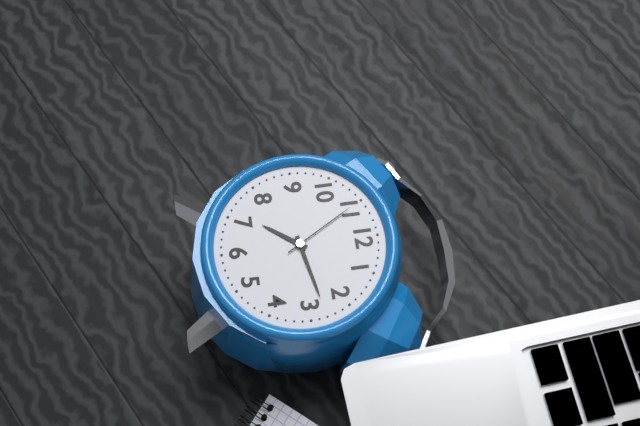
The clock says 7:13:55
